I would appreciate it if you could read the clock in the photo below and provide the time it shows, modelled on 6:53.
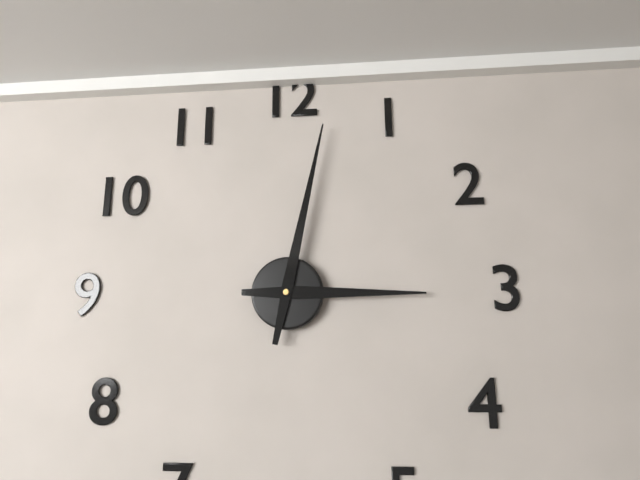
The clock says 3:02
